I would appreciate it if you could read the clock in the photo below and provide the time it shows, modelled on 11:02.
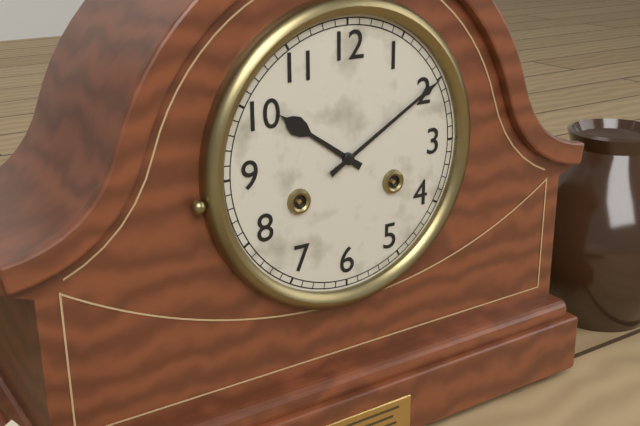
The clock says 10:10
